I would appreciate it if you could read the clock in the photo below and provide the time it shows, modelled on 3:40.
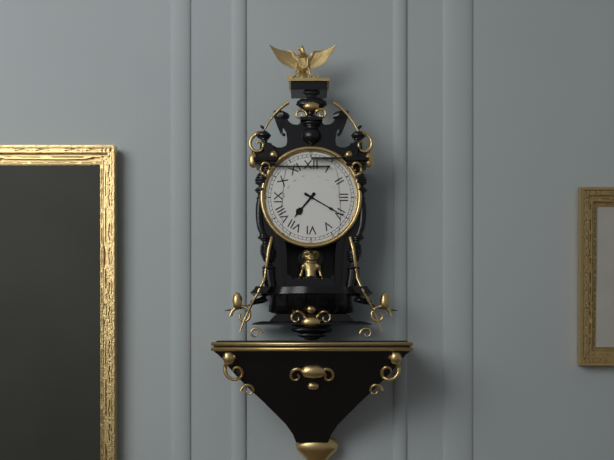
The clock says 7:20
